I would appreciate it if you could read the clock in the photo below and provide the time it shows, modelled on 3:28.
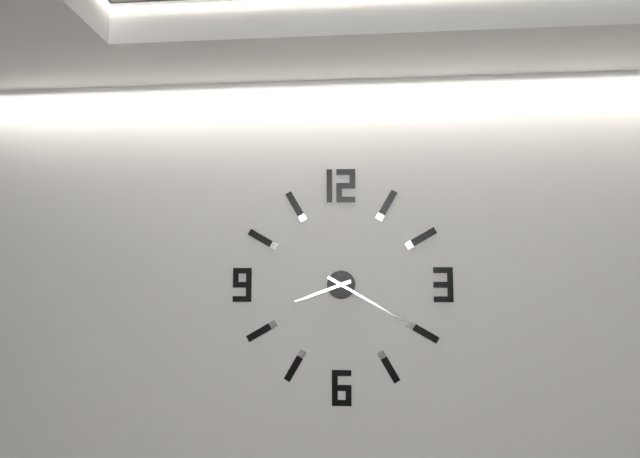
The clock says 8:20
